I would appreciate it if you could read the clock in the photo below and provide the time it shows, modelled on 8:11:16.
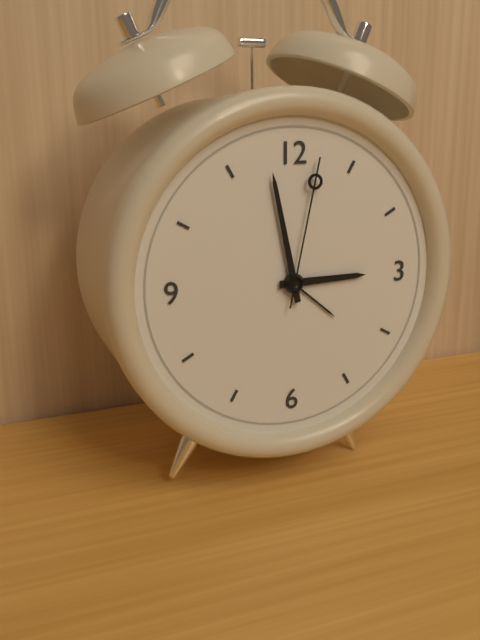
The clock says 2:58:02
